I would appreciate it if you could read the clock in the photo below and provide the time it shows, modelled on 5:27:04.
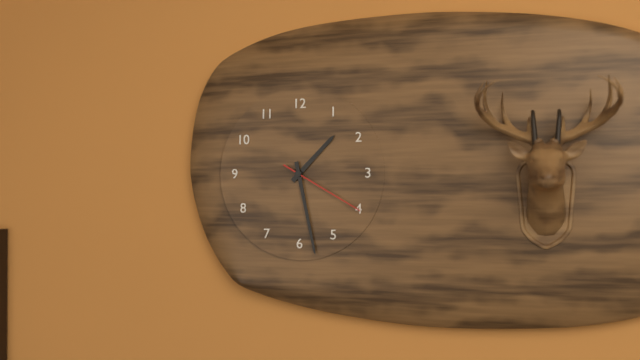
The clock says 1:28:20
